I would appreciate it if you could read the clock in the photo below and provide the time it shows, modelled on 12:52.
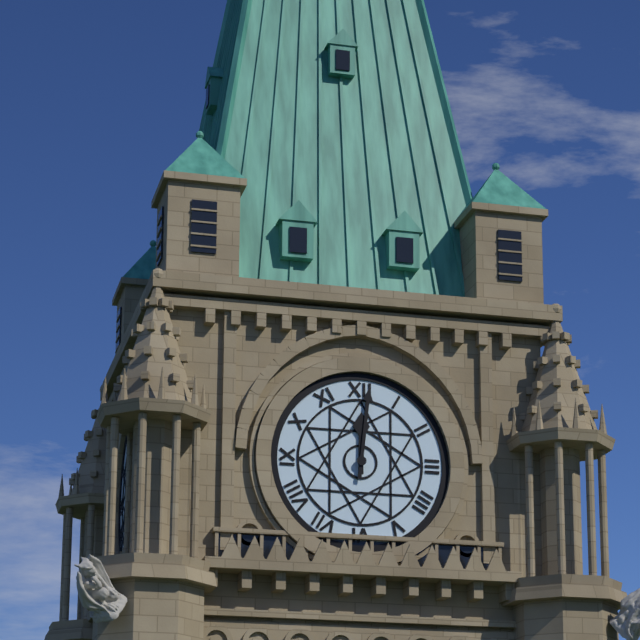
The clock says 12:01
